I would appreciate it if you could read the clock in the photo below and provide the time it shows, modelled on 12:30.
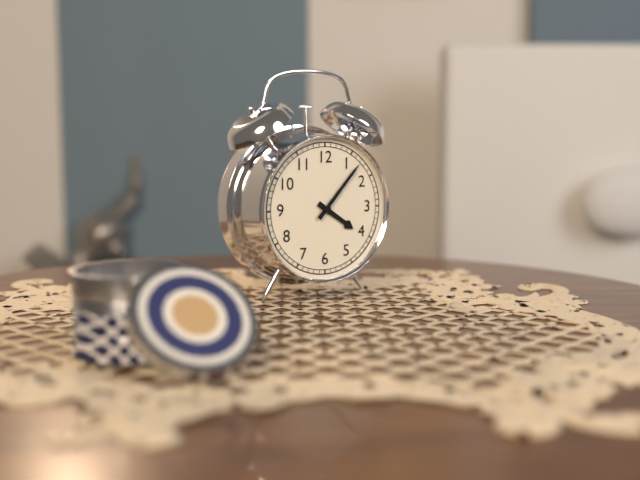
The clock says 4:07
